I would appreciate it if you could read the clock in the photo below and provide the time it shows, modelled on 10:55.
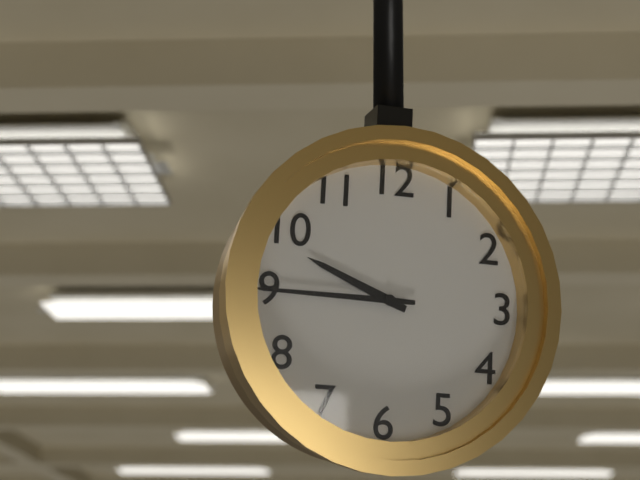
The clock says 9:45
